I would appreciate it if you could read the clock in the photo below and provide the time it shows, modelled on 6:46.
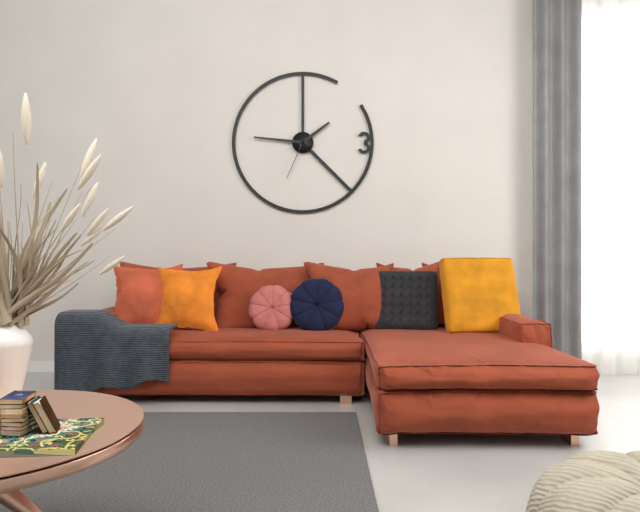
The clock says 1:46
